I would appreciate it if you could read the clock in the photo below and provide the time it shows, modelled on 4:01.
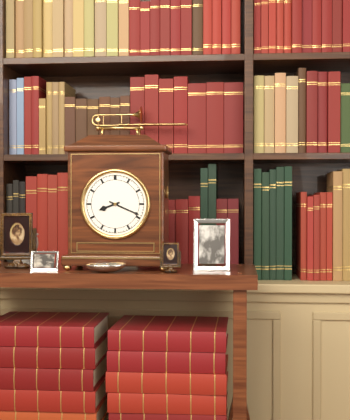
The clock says 8:19
